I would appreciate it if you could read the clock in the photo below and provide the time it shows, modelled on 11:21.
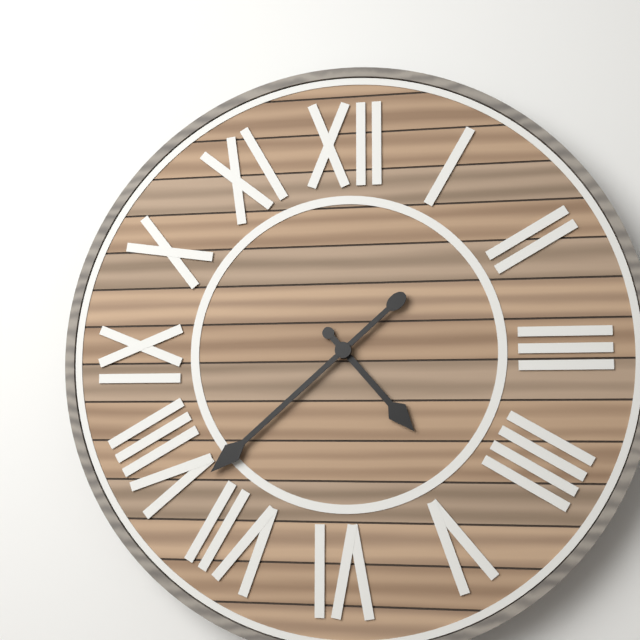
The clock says 4:38
